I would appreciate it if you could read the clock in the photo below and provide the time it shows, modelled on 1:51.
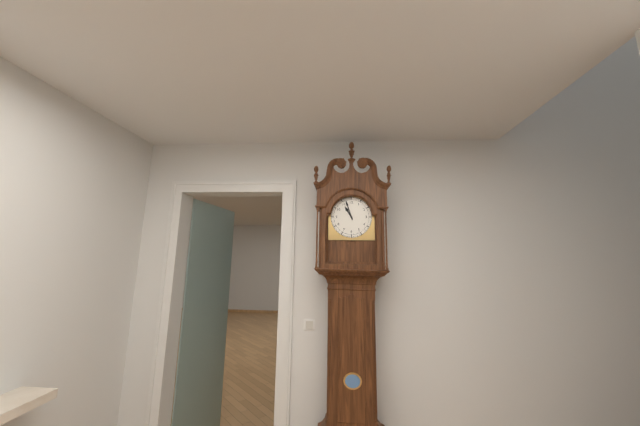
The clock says 10:57
